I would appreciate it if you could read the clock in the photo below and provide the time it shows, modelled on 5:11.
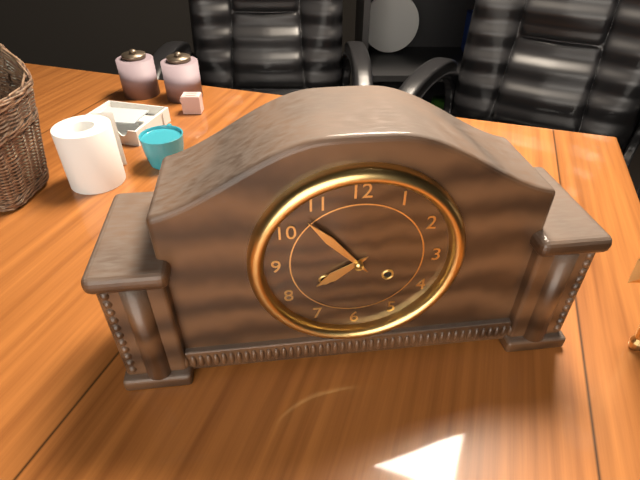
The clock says 7:53
